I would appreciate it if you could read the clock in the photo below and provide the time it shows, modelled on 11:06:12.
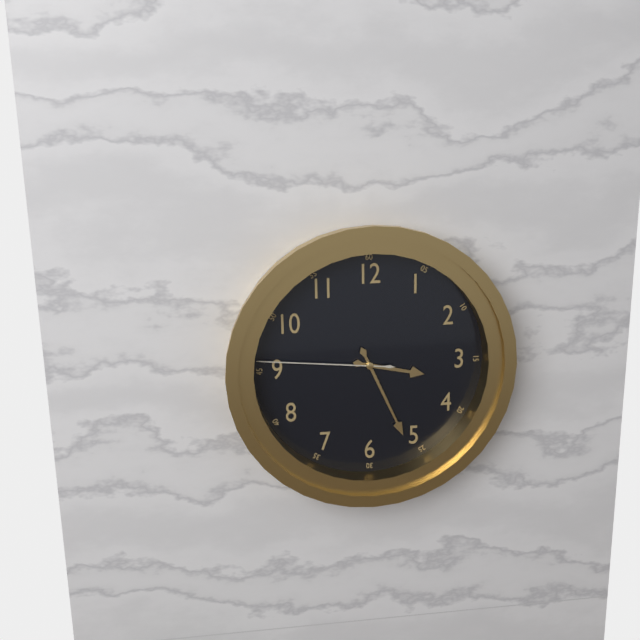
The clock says 3:26:46
